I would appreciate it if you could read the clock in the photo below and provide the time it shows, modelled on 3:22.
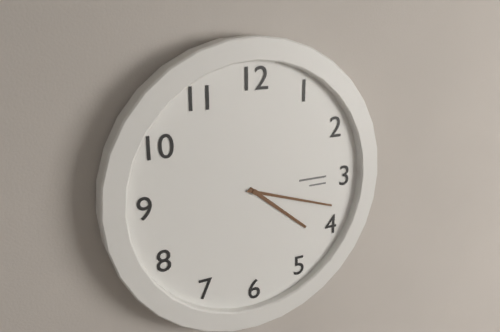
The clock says 4:18
